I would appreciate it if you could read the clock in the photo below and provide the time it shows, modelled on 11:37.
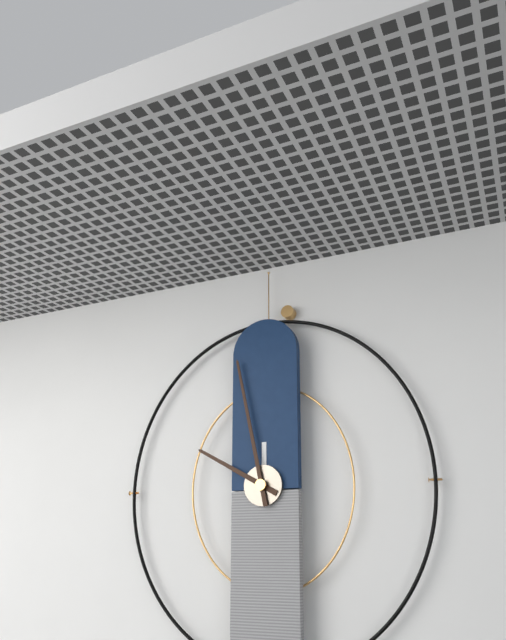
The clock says 9:58
